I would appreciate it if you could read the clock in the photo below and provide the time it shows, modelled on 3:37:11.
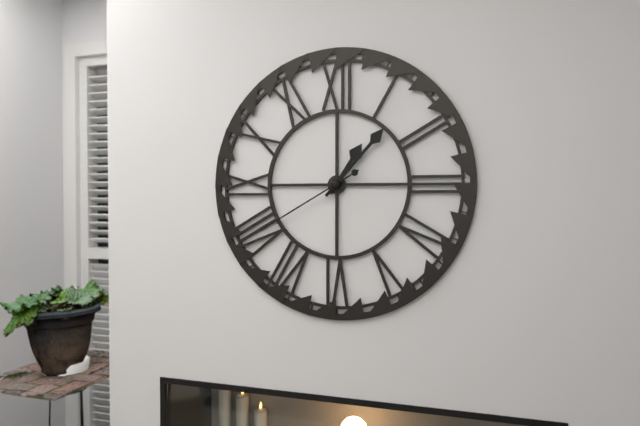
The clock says 1:07:40
